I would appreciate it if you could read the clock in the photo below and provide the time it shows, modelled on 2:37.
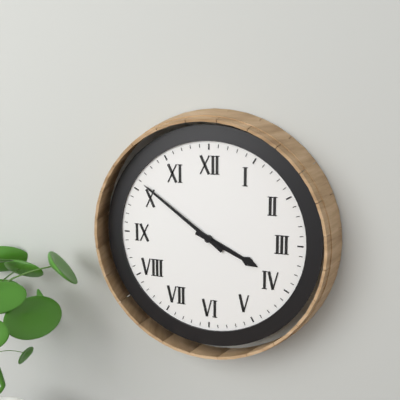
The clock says 3:51
